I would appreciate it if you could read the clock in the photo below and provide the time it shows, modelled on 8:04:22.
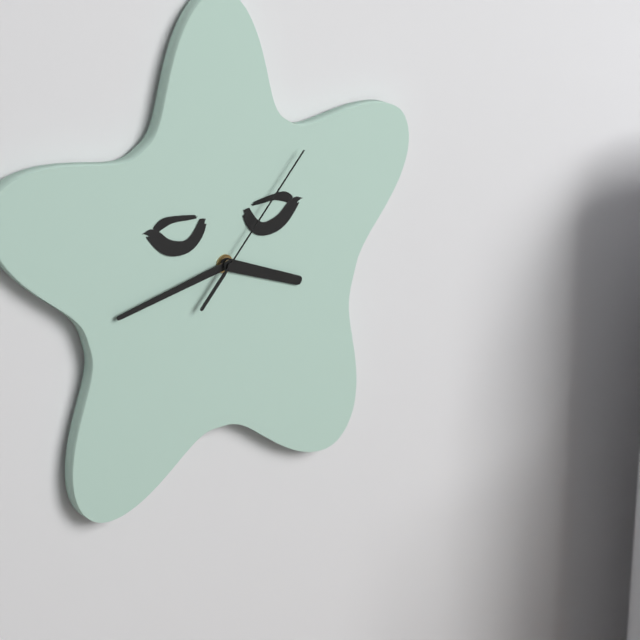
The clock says 3:43:07
